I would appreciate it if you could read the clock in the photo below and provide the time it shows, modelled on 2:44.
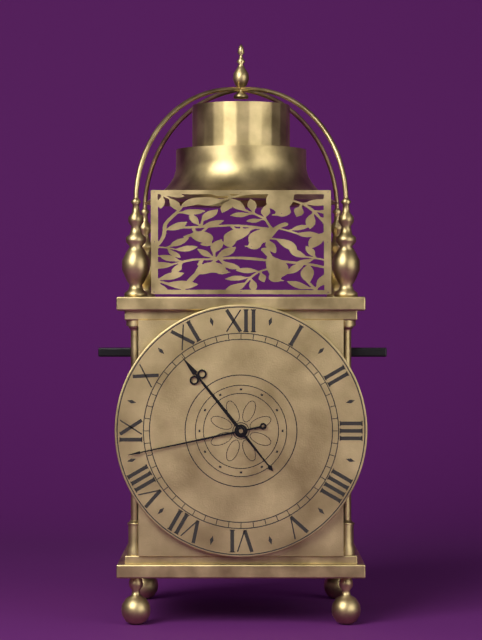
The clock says 10:43
